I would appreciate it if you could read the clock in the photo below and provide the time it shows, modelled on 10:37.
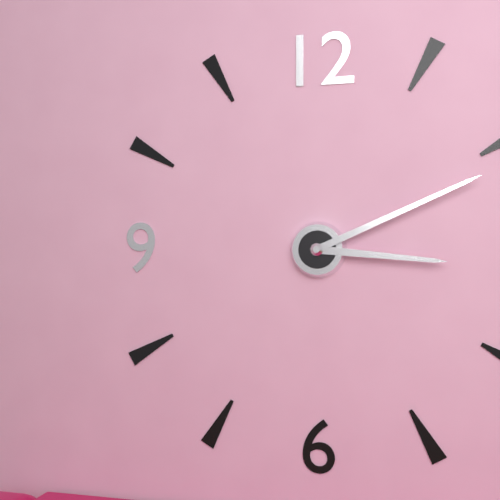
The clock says 3:11
